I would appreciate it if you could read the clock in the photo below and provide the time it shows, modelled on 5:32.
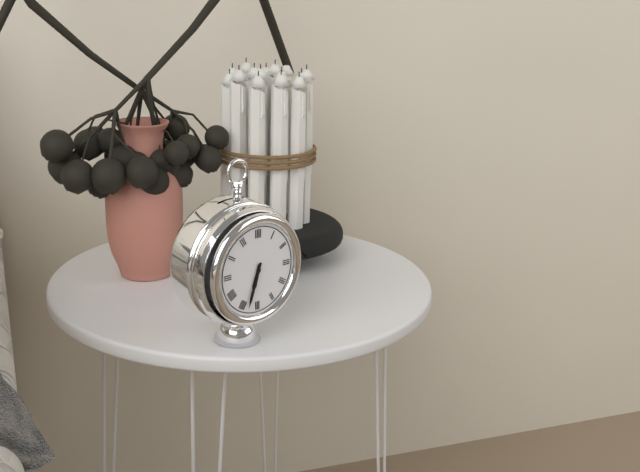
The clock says 6:33
